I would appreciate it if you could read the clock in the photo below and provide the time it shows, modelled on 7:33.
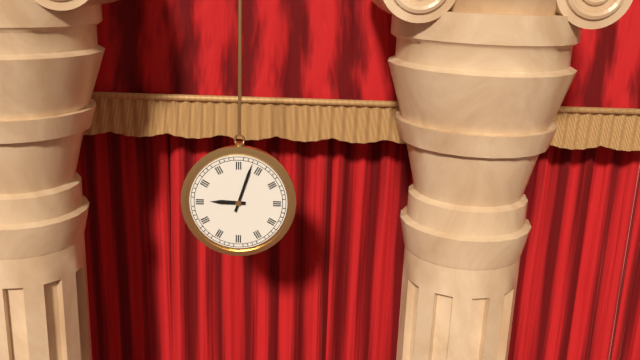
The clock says 9:03
